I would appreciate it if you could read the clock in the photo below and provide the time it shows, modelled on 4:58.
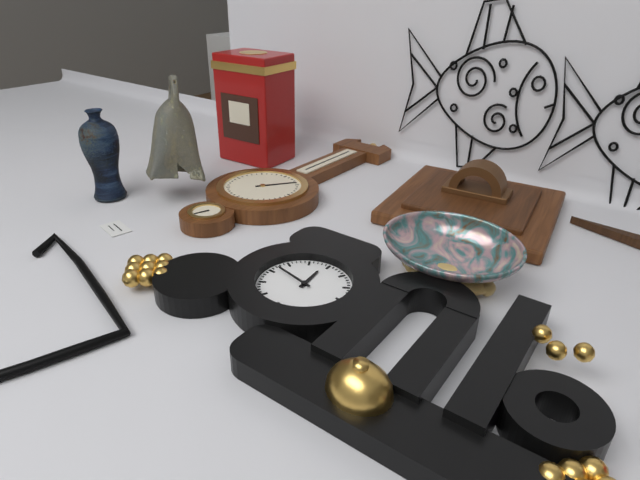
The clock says 11:47
